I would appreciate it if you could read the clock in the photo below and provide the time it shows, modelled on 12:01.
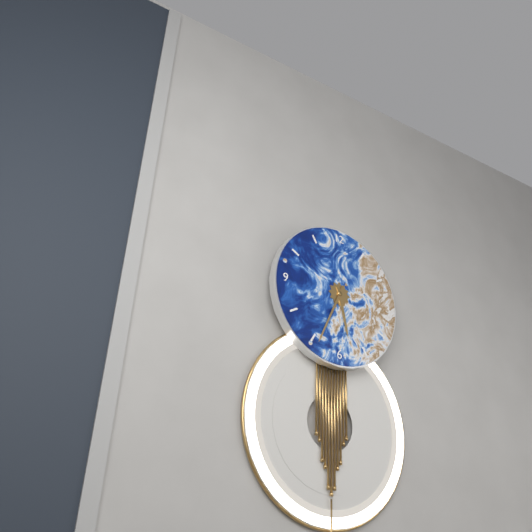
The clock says 5:34
